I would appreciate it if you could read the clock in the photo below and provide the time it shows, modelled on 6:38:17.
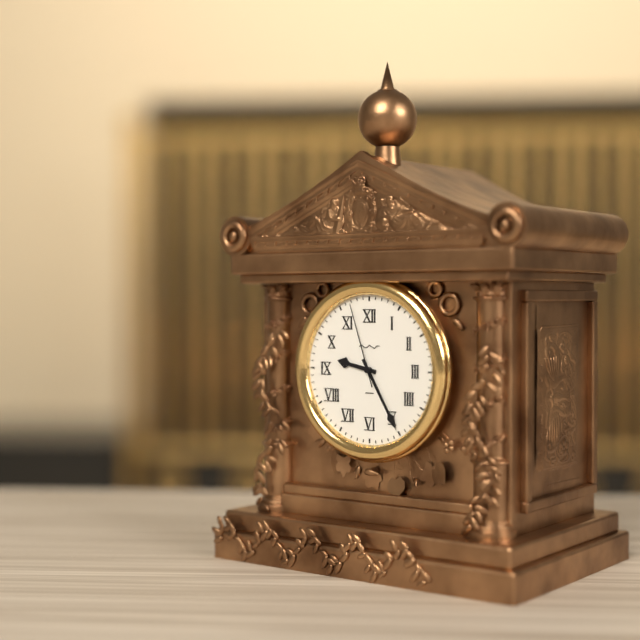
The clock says 9:25:57
